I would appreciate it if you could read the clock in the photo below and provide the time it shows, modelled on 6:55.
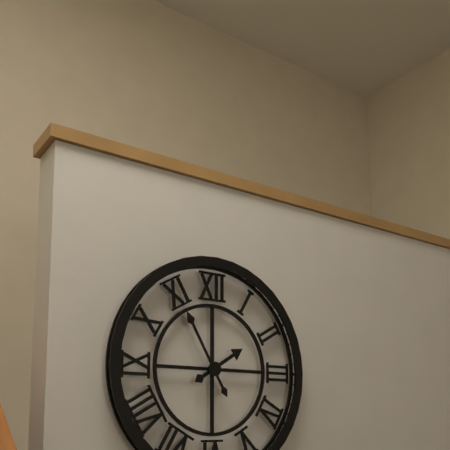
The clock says 1:55
